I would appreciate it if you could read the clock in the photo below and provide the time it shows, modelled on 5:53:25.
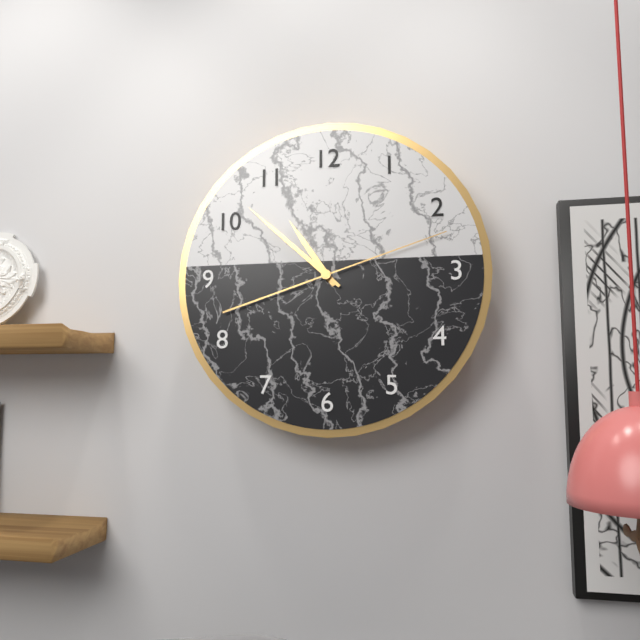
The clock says 10:52:12
